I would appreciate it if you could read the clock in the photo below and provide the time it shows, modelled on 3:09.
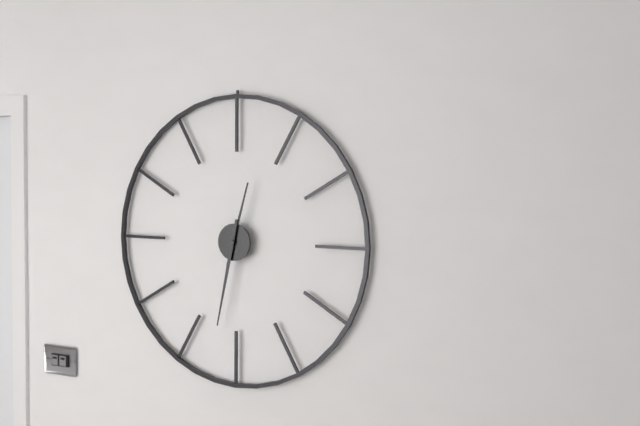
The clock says 12:32
